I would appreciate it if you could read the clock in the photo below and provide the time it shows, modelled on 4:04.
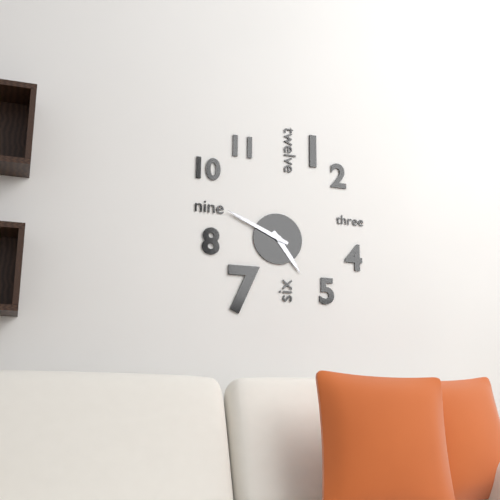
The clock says 4:49
